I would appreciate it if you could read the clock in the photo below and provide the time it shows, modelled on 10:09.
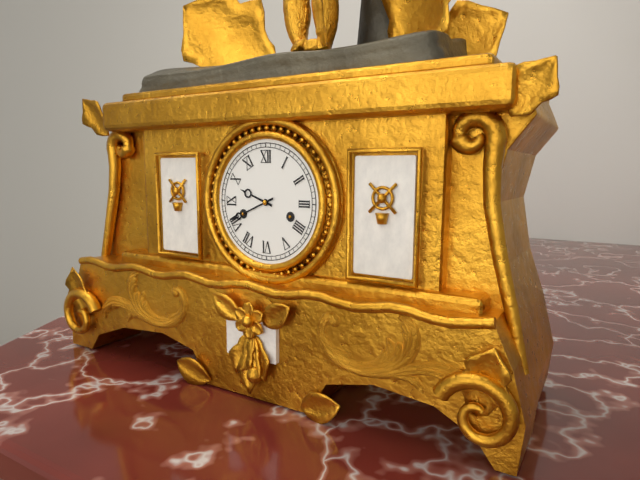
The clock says 9:41
